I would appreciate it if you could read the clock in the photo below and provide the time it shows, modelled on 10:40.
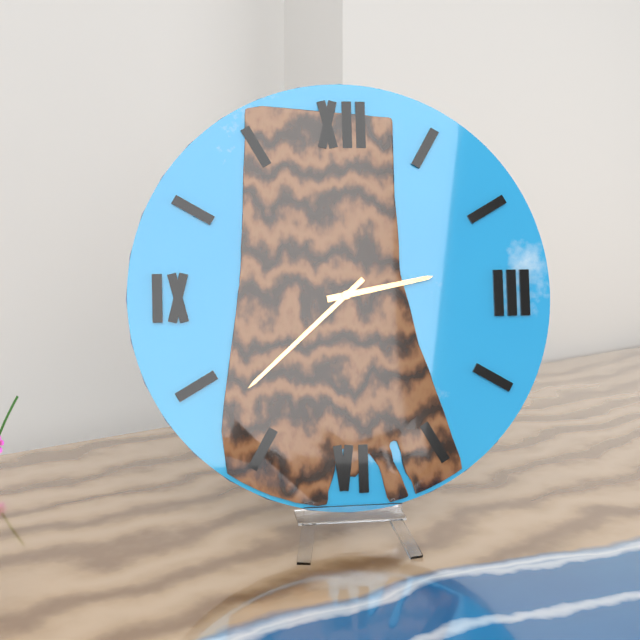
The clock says 2:38
